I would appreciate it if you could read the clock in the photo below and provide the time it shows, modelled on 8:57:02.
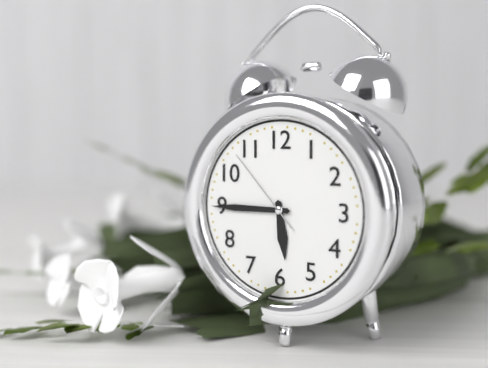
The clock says 5:45:53
